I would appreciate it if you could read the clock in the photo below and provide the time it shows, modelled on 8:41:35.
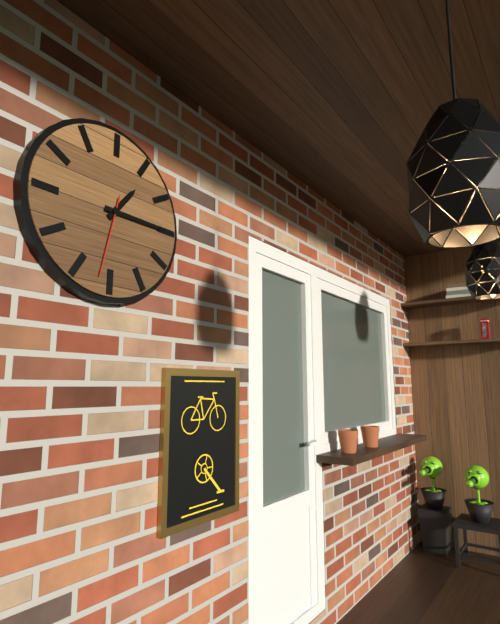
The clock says 1:15:32
